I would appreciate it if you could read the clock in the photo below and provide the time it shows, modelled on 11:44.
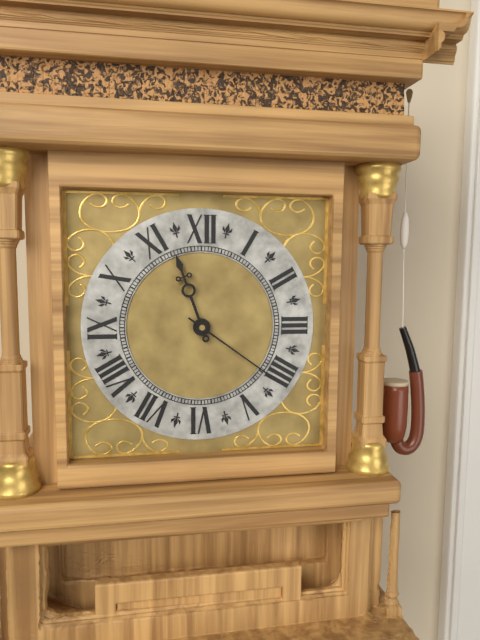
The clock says 11:21
